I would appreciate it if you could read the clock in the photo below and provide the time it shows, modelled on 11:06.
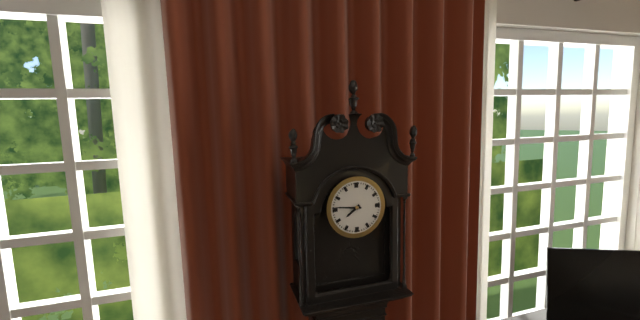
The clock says 7:46
